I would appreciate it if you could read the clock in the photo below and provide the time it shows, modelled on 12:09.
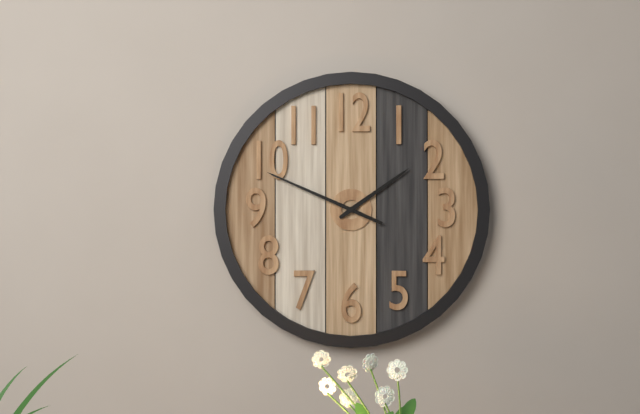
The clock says 1:49
